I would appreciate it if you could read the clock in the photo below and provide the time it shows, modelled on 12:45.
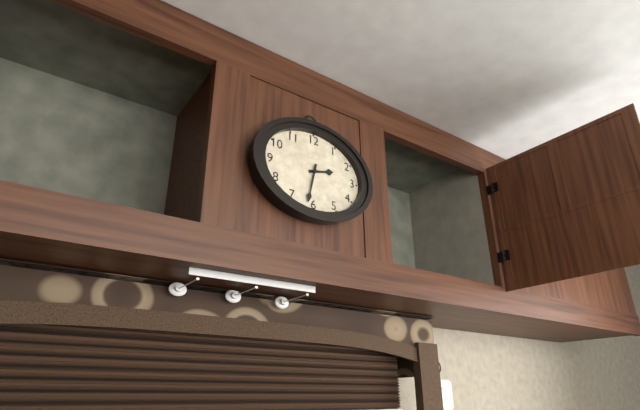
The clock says 2:32
